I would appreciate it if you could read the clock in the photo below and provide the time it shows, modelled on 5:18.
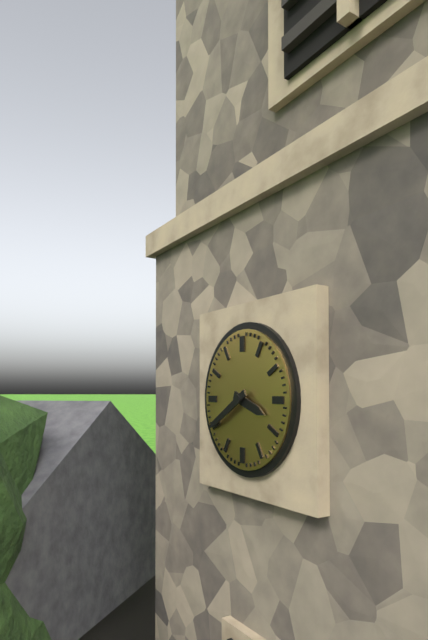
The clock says 3:40
